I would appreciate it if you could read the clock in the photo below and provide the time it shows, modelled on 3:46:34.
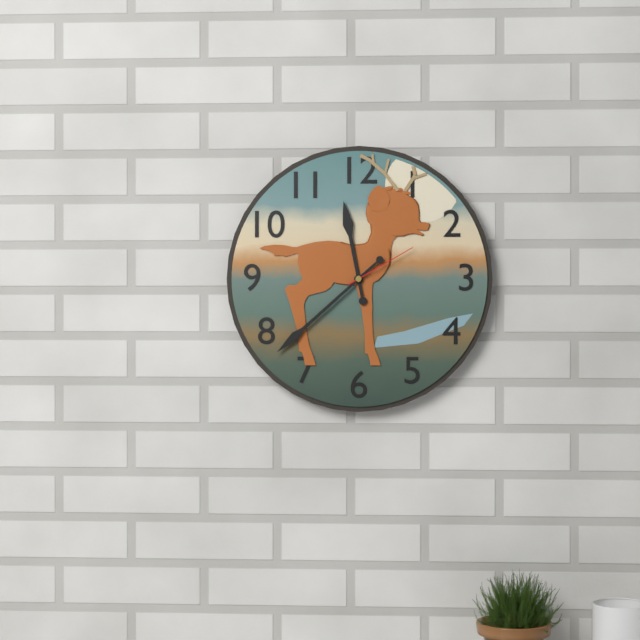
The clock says 11:38:10
